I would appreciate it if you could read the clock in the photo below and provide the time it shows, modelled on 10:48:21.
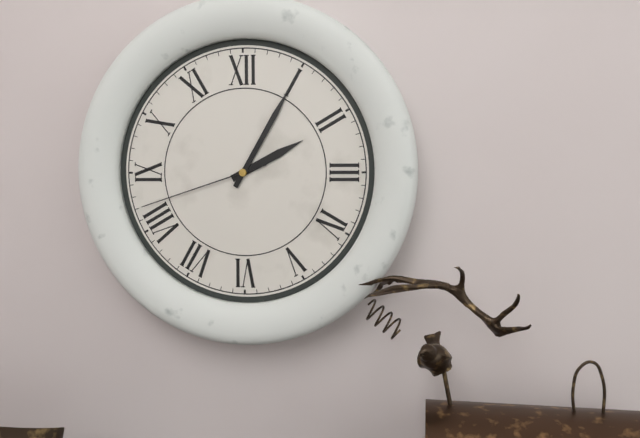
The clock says 2:05:42
